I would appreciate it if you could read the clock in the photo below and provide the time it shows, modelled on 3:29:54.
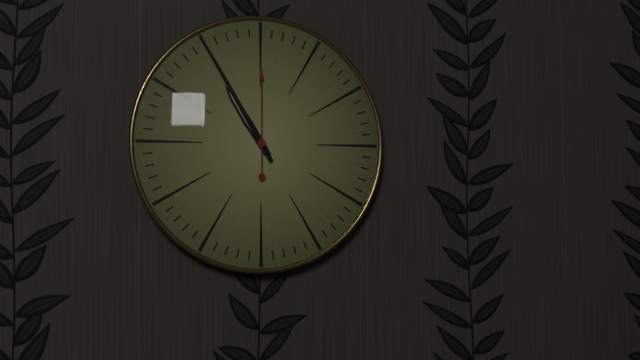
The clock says 10:55:00
